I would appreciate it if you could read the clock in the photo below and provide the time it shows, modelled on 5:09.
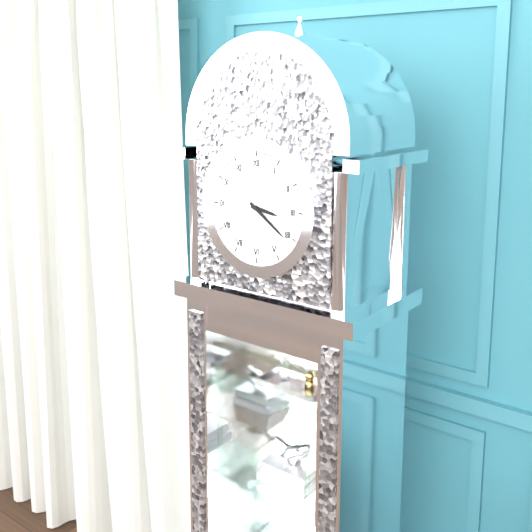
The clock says 3:21
